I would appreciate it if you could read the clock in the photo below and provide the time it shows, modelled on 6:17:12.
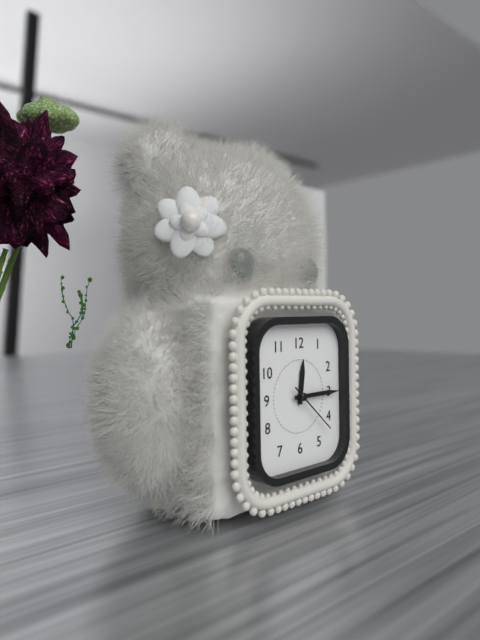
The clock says 12:15:22
